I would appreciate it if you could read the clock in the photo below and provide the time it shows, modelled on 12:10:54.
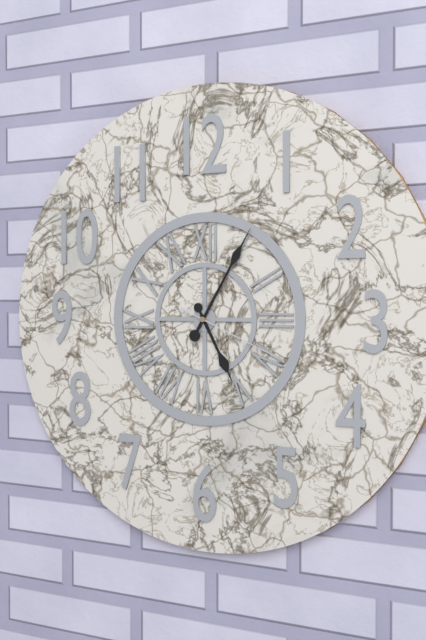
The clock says 5:05:19
